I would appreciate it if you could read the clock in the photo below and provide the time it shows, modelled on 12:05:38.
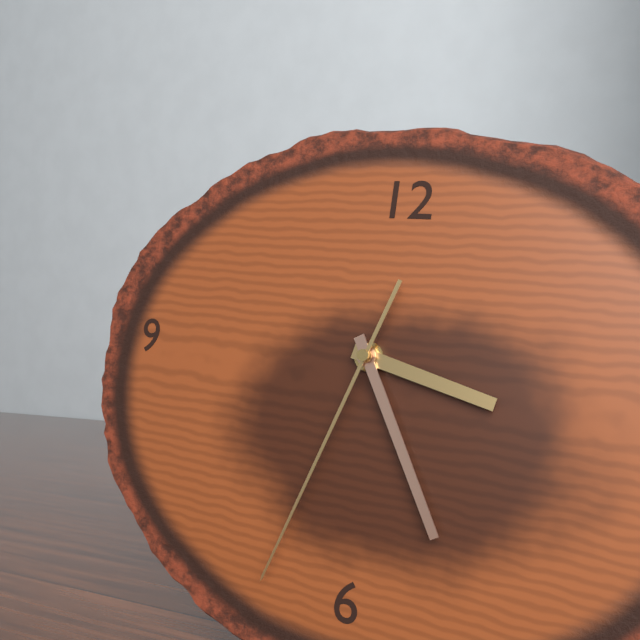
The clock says 3:25:33
